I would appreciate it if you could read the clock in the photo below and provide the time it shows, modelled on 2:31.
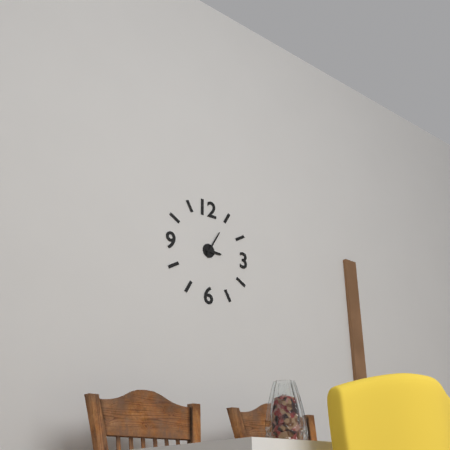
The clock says 3:05
